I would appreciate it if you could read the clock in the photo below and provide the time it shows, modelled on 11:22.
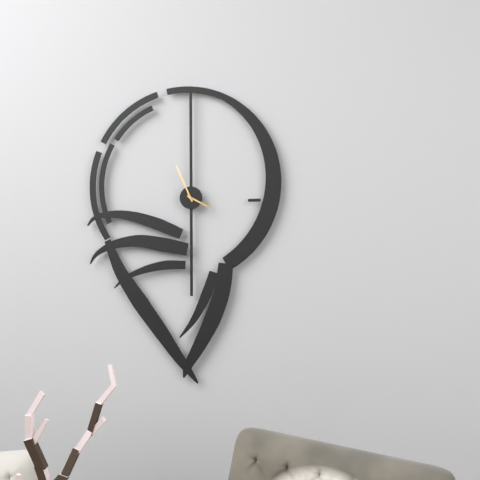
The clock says 3:56
